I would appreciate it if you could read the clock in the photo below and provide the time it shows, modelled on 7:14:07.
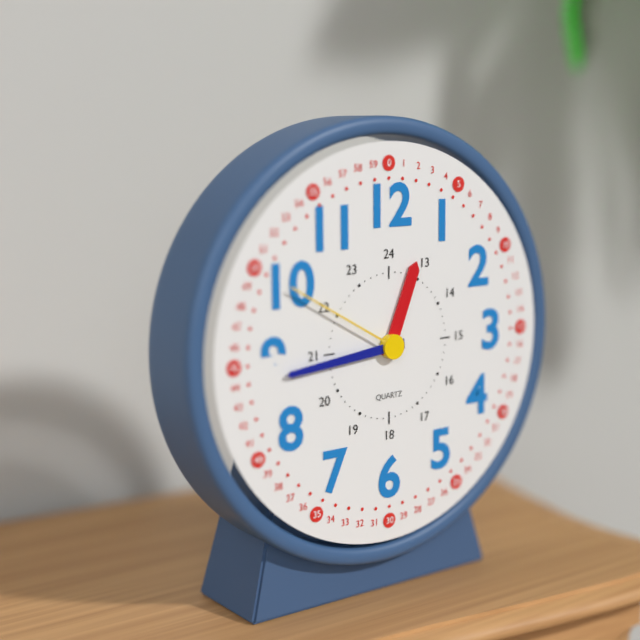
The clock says 12:44:50
